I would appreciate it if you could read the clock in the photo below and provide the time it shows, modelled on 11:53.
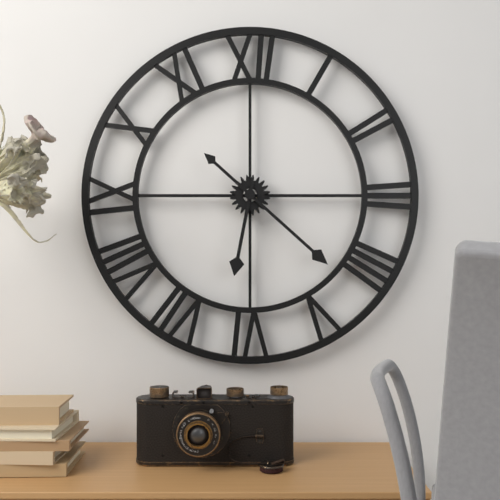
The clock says 6:22
